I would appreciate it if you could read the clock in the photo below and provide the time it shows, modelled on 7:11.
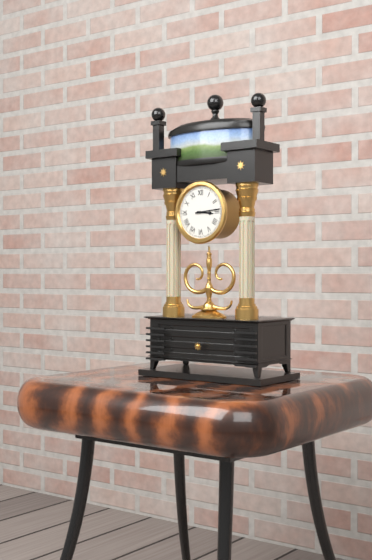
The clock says 3:14
